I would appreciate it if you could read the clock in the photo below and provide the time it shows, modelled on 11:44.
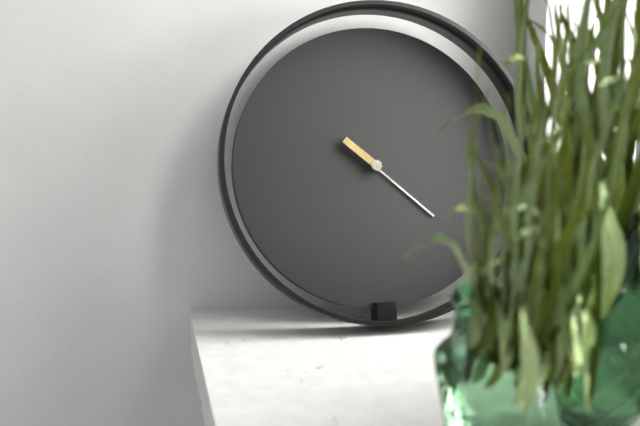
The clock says 10:22
